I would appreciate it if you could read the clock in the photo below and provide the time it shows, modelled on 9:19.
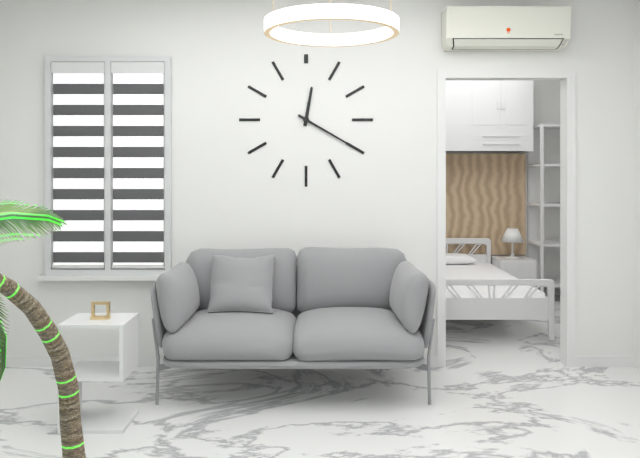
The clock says 12:20
